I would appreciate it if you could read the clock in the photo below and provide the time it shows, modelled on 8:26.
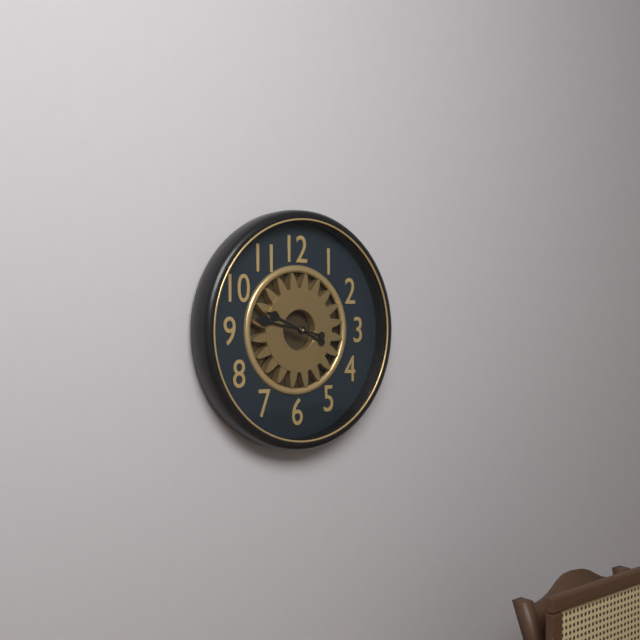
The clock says 9:47
